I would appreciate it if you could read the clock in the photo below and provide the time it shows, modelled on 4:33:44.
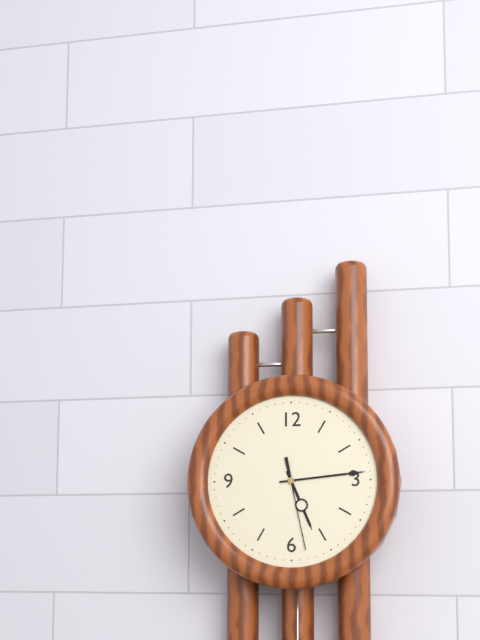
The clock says 5:14:28
